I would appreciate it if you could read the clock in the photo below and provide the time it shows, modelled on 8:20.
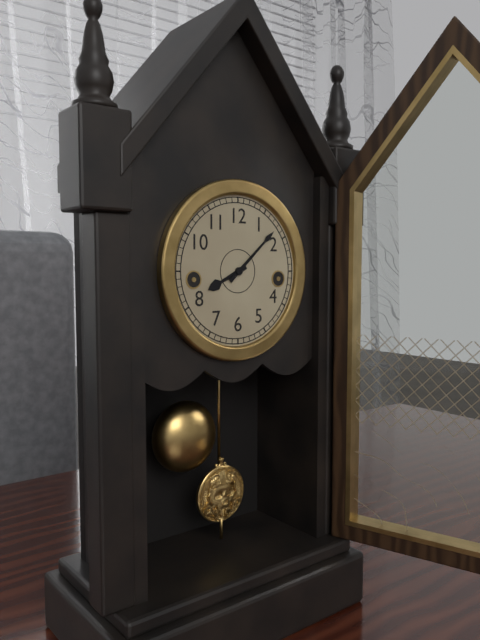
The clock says 8:08
